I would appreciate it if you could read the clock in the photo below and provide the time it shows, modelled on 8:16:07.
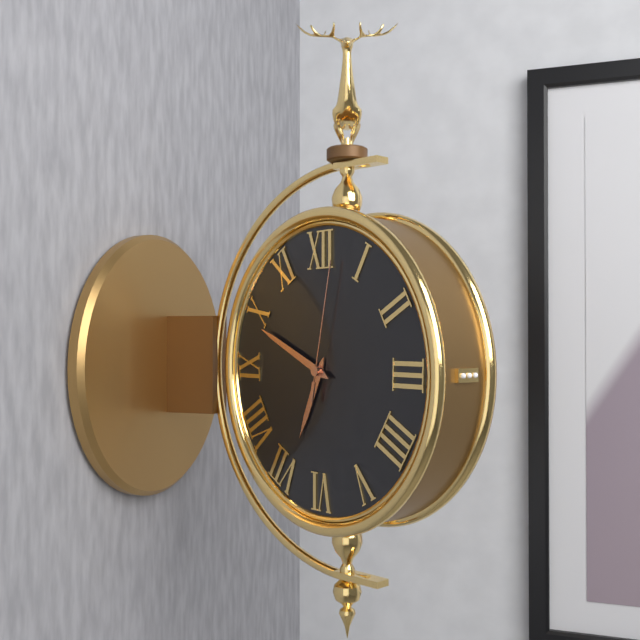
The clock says 6:49:02
